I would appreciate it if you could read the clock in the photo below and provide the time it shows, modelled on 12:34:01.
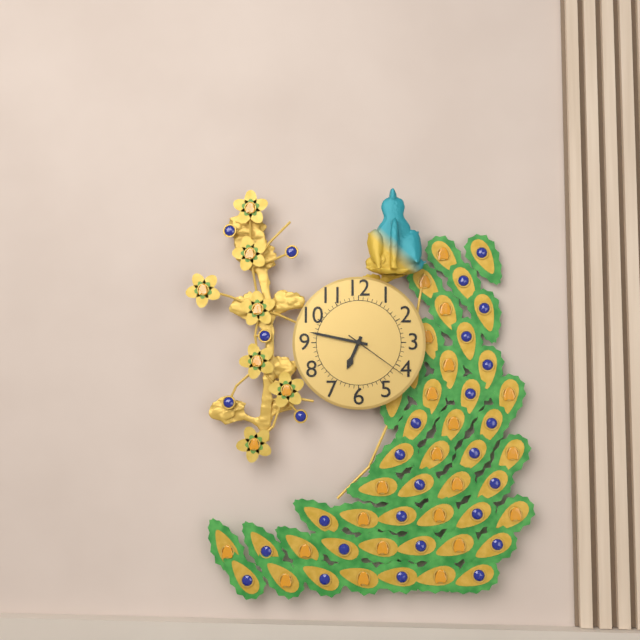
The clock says 6:47:21
